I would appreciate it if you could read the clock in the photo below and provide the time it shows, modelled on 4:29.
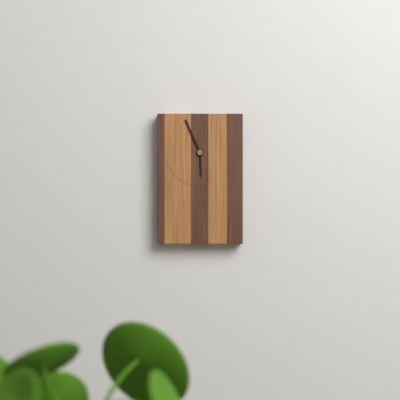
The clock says 5:56
